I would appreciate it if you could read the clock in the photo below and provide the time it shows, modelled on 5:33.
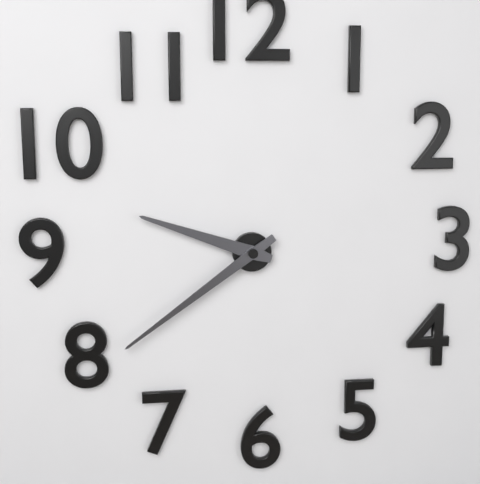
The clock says 9:39
